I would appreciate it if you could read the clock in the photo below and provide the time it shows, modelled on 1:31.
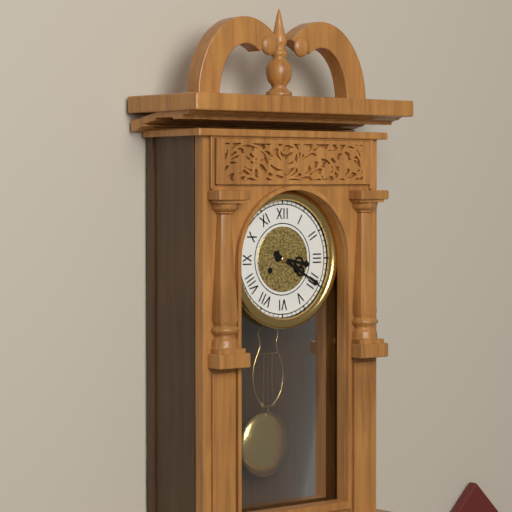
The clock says 3:20
